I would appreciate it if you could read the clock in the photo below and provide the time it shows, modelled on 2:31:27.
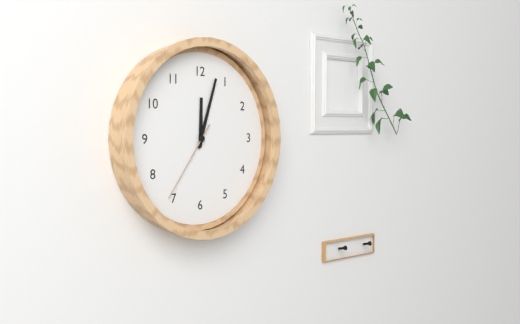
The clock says 12:03:36
